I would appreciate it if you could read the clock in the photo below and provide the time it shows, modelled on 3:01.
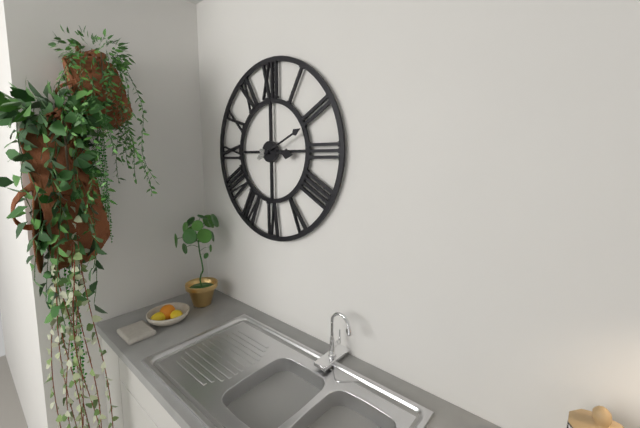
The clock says 3:11
